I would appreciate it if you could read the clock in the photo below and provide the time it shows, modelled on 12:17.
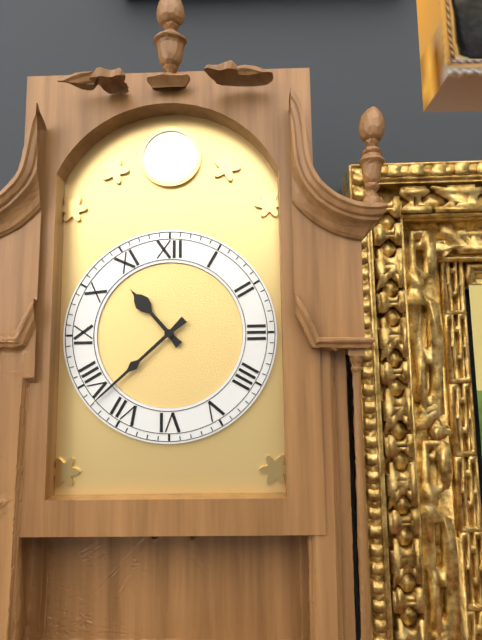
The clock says 10:38
